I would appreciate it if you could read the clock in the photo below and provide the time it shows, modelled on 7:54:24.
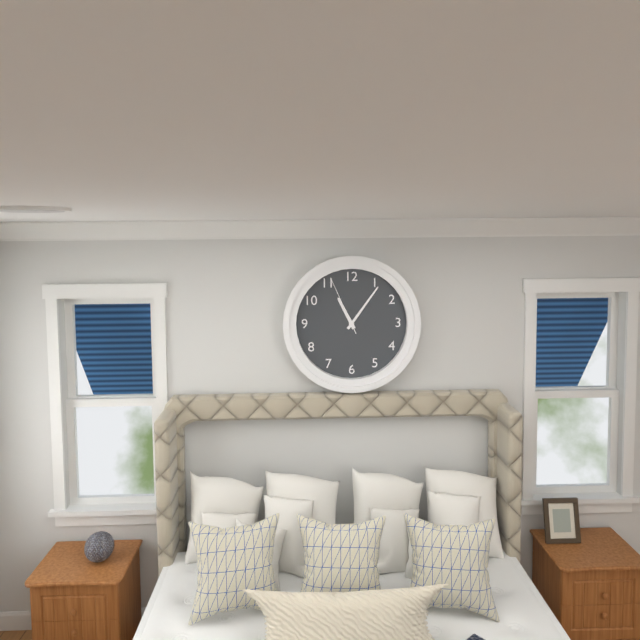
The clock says 11:06:56
